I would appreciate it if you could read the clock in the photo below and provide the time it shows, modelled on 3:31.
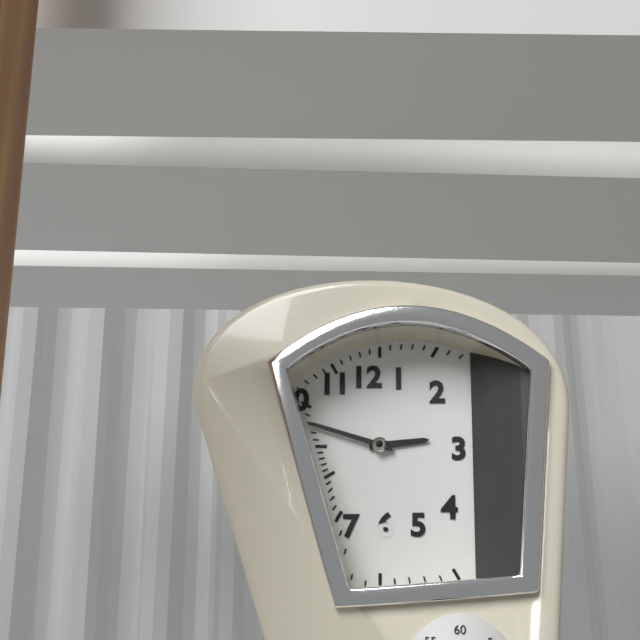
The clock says 2:48
